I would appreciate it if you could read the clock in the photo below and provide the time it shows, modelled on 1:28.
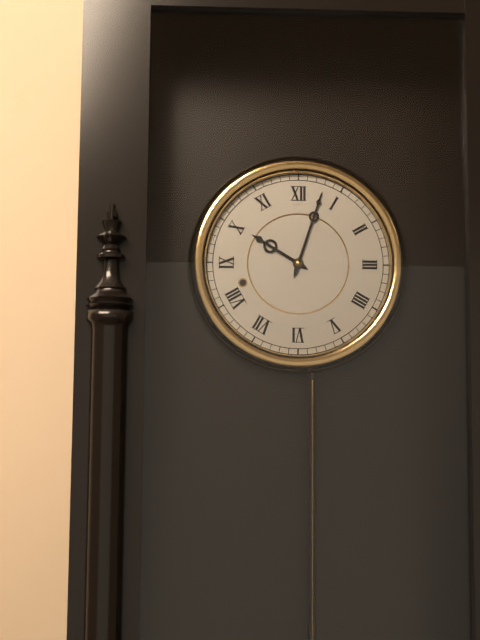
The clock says 10:03
